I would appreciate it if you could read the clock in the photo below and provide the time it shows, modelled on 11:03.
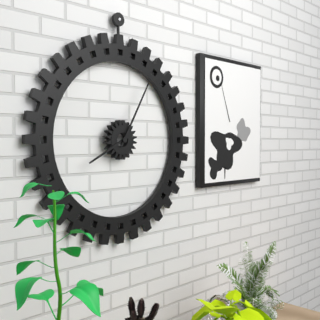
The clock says 8:05
